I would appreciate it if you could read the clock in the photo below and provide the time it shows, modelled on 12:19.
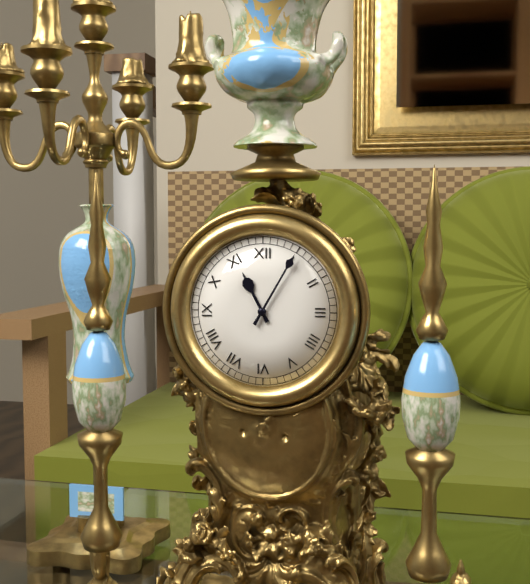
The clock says 11:05
